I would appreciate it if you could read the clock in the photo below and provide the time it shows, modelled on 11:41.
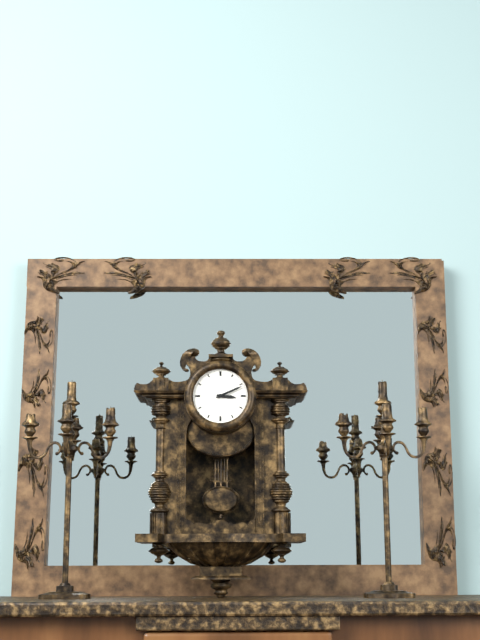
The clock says 3:11
